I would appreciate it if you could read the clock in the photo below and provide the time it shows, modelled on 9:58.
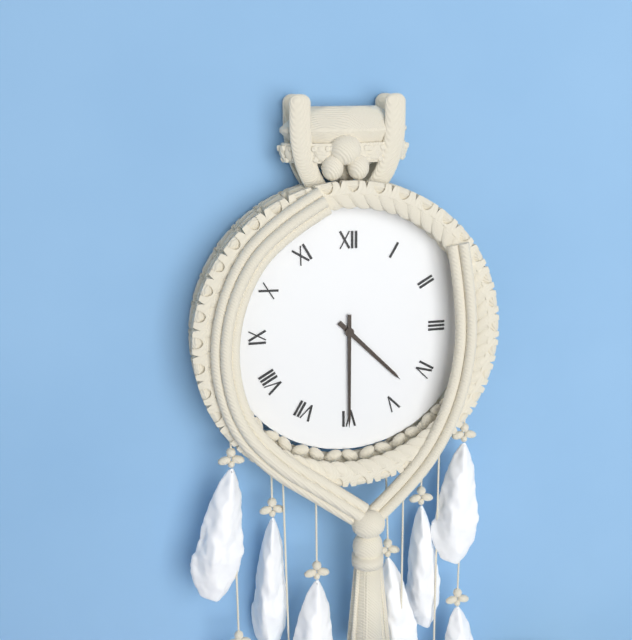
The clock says 4:30
